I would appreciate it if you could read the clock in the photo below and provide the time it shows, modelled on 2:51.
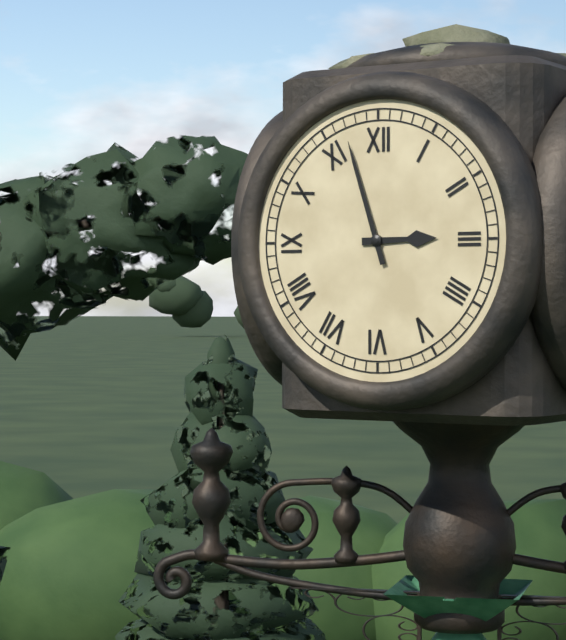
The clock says 2:57
